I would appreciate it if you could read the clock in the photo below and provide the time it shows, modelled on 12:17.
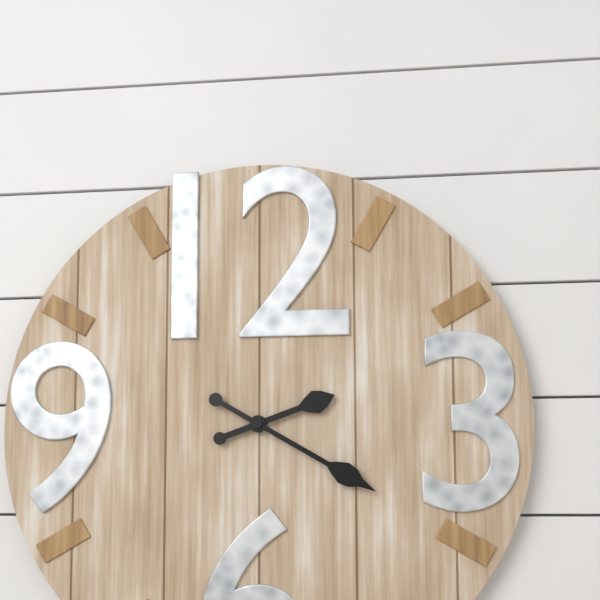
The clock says 2:20
